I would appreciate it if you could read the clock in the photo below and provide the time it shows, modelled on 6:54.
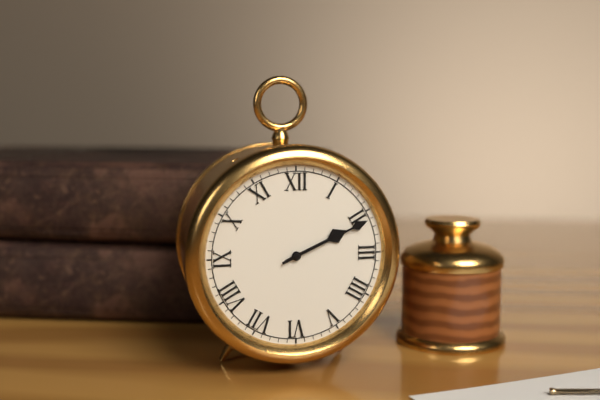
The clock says 2:11
